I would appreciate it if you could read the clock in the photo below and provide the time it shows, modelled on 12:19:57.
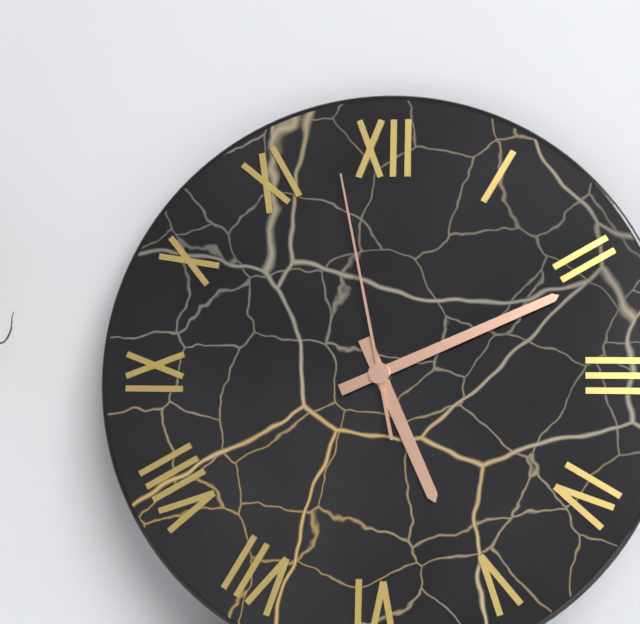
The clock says 5:11:58
